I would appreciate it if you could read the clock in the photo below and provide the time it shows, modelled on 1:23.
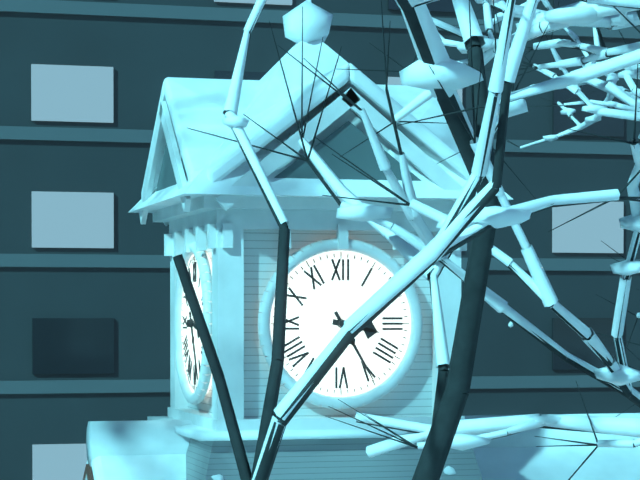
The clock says 3:25
